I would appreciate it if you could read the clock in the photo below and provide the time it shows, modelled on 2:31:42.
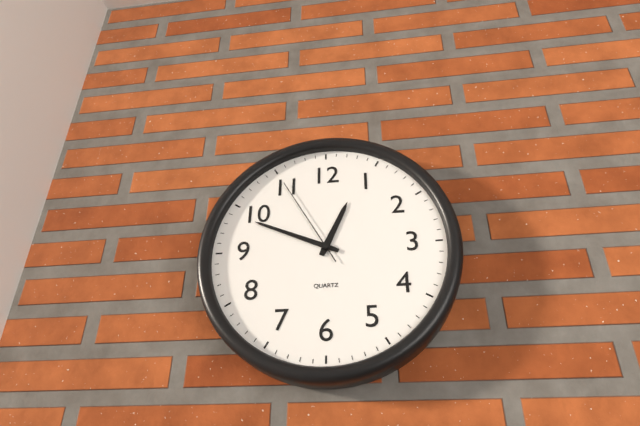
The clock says 12:49:55
